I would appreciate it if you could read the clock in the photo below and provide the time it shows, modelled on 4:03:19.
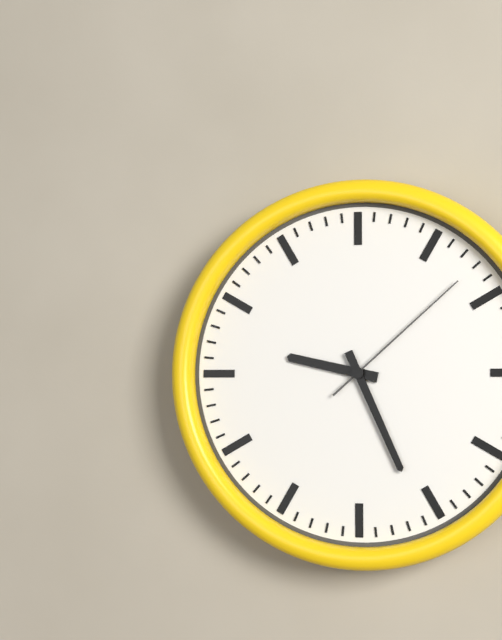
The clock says 9:26:08
